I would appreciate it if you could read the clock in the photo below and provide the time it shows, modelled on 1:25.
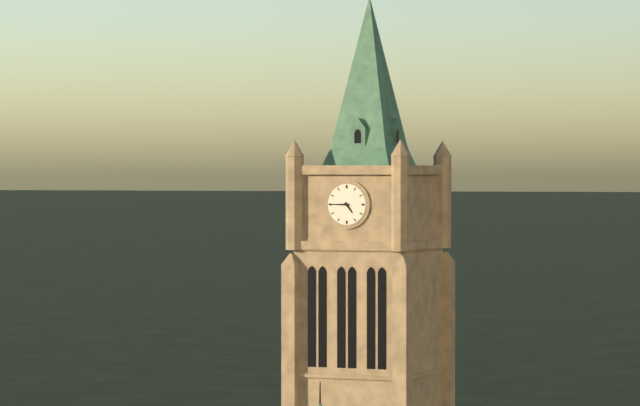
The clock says 4:45
